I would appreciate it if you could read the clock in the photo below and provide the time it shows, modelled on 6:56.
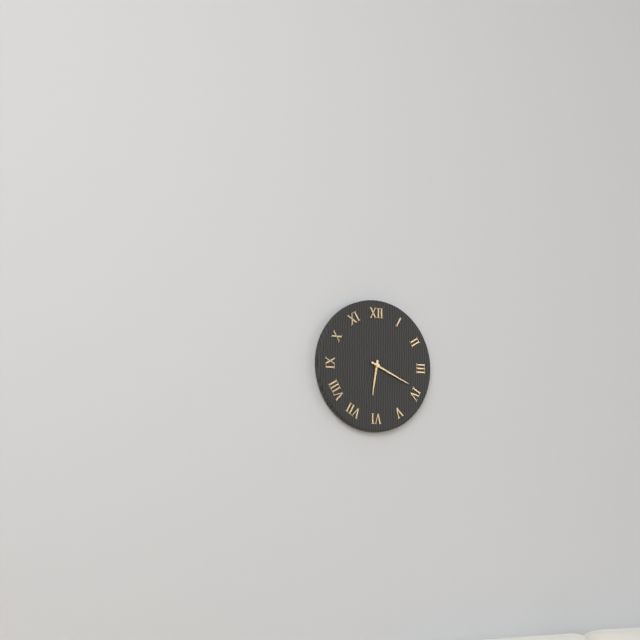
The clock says 6:19
